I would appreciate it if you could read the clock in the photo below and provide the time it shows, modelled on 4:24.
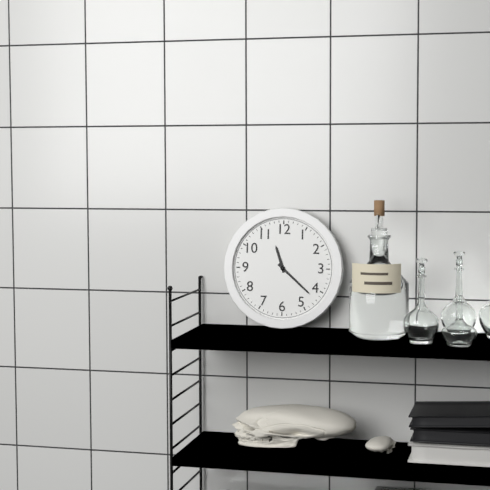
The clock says 11:22
